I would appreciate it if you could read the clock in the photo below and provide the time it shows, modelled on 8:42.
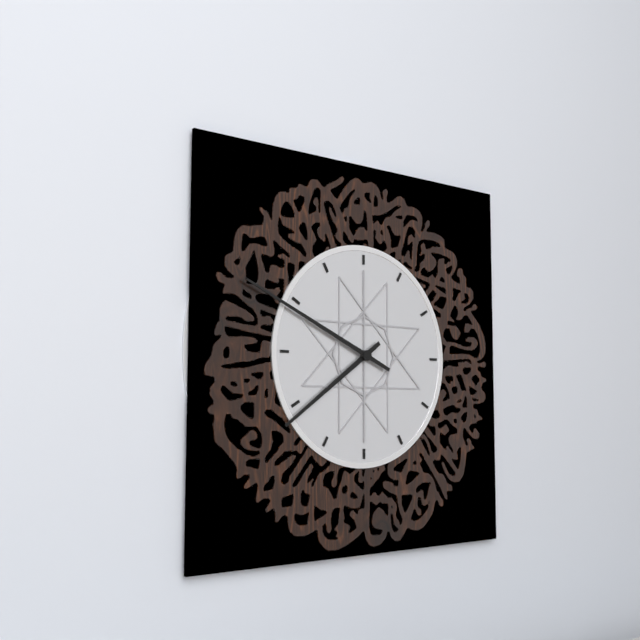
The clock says 7:49
